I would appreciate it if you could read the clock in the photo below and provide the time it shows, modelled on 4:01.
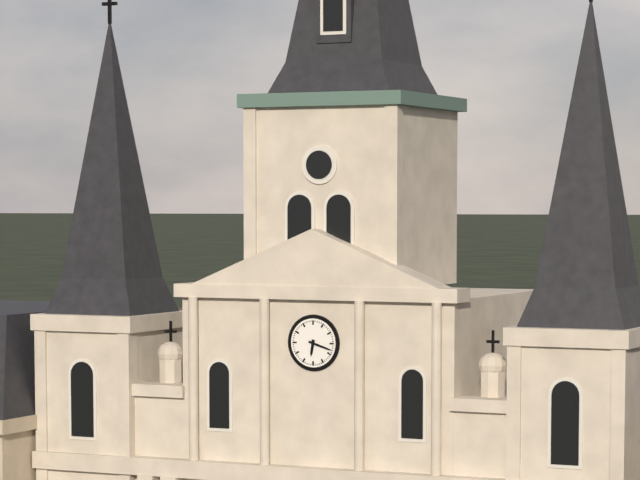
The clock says 6:18
